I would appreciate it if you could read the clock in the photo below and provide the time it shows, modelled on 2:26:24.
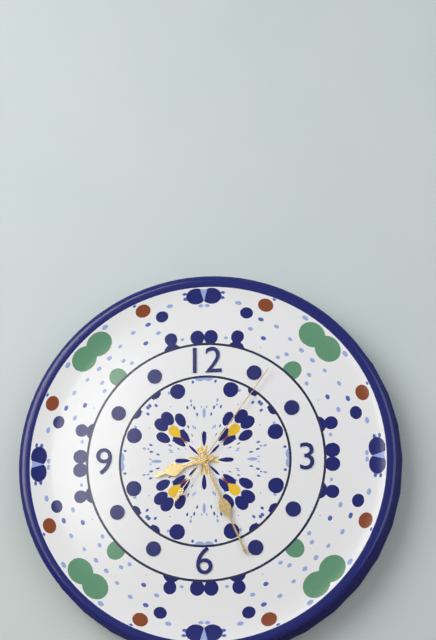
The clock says 8:26:06
